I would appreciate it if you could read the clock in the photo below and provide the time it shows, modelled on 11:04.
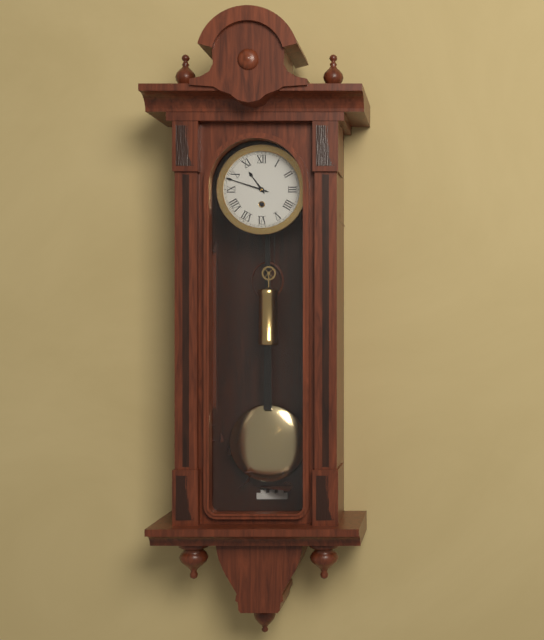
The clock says 10:48
